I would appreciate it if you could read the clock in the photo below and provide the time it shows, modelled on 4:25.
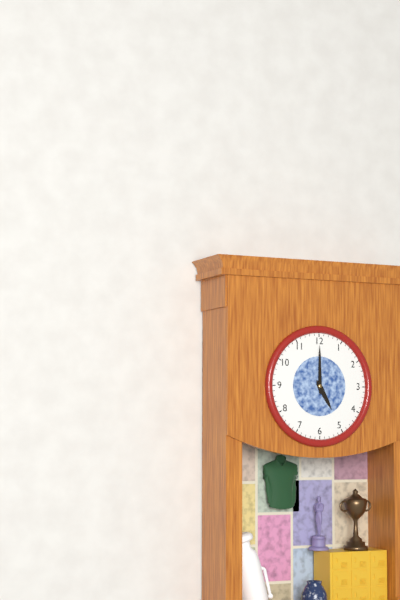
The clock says 5:00
